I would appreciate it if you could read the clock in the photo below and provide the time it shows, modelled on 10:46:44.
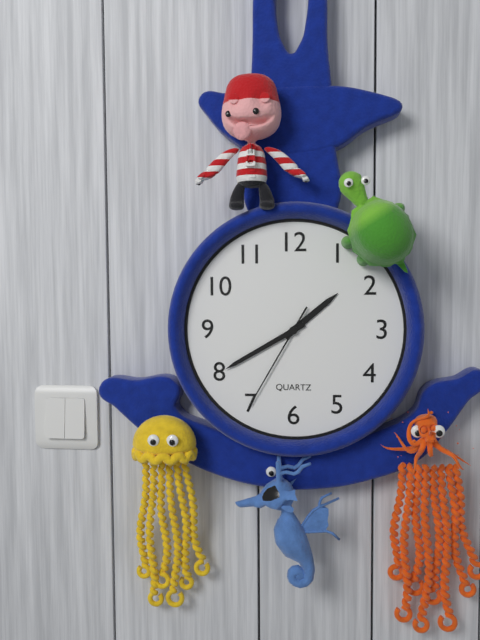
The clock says 1:40:35
